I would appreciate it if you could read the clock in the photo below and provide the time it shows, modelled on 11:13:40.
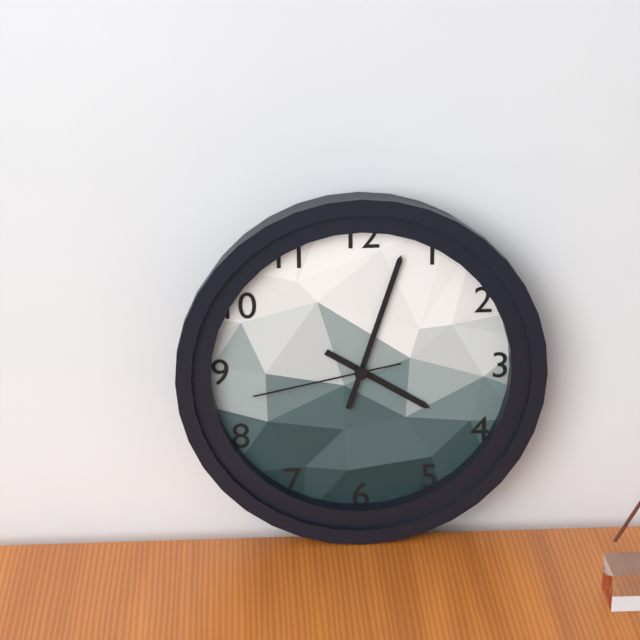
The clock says 4:03:43
